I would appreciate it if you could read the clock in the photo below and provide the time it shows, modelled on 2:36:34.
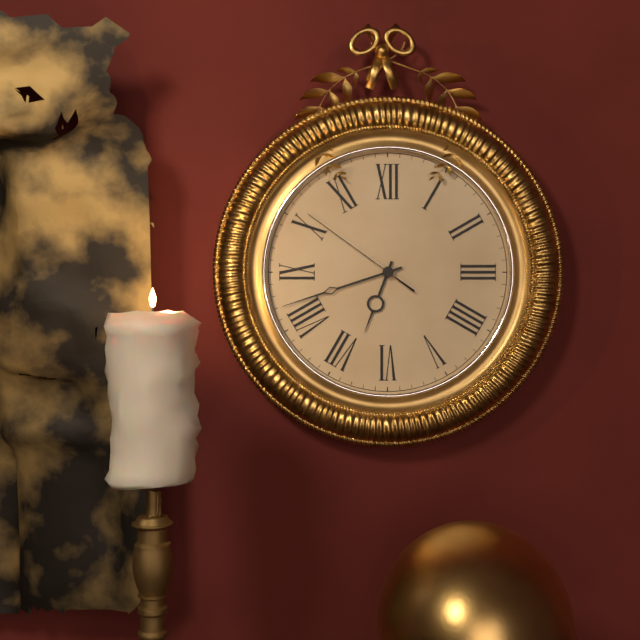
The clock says 6:42:51
